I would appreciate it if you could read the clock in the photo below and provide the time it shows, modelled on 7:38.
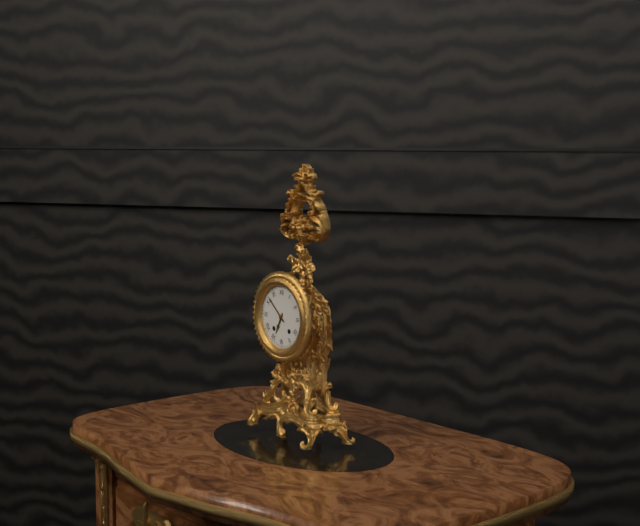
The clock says 6:52
